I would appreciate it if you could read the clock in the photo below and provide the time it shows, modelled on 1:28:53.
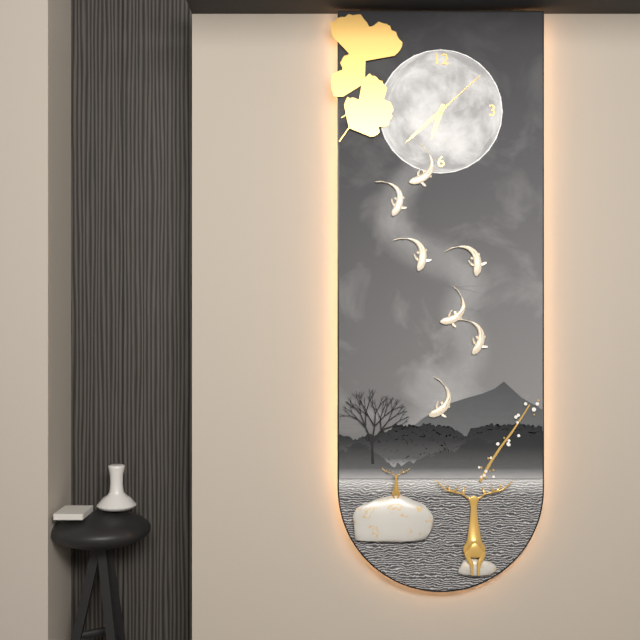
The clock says 6:38:08
